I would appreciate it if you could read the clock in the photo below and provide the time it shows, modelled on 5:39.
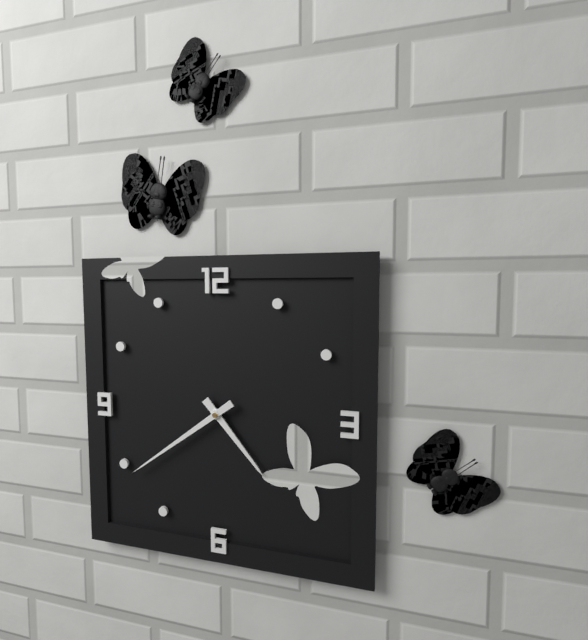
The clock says 4:39
